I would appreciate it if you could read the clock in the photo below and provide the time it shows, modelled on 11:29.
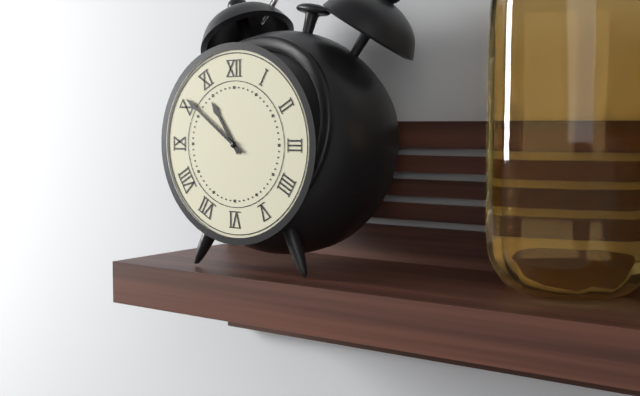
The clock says 10:51
